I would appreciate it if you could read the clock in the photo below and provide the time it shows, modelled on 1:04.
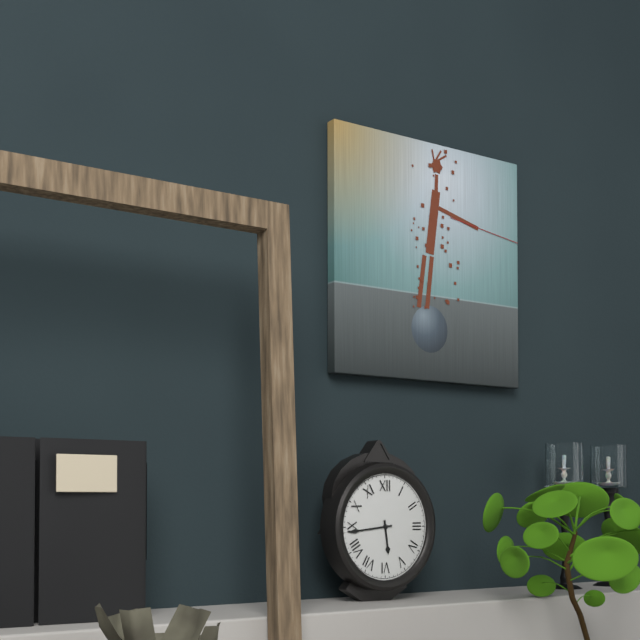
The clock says 5:44
